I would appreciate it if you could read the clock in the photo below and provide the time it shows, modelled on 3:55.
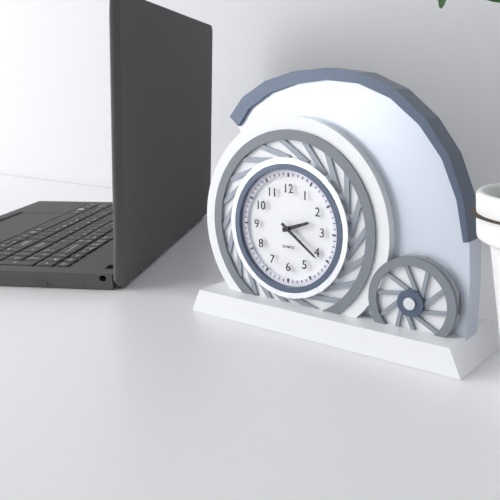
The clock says 2:21
